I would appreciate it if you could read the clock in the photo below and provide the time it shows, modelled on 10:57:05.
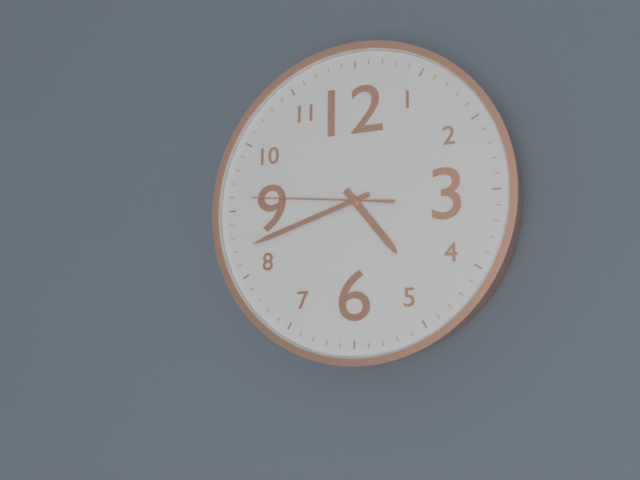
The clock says 4:42:46
